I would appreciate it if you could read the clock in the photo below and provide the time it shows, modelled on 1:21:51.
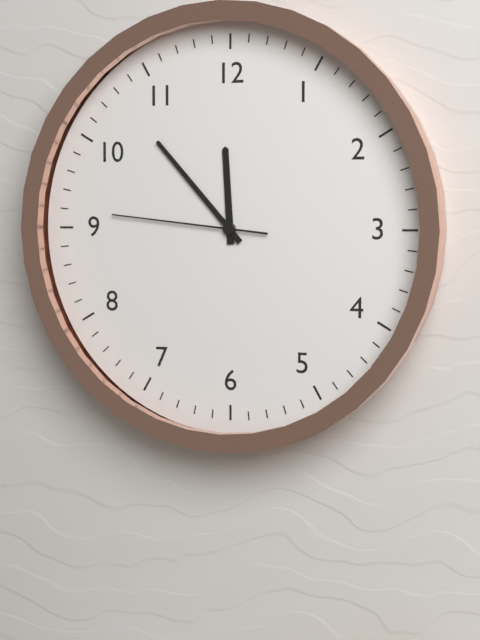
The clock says 11:53:46
